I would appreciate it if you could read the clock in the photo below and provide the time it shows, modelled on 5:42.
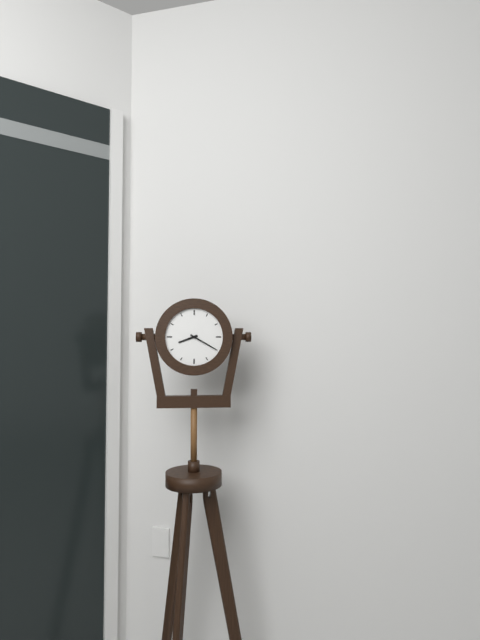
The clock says 8:20
